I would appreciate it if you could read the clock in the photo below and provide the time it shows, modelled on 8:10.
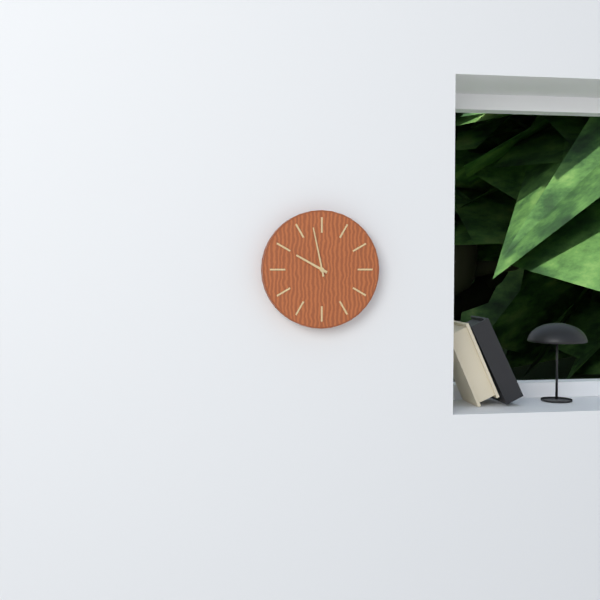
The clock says 9:58
